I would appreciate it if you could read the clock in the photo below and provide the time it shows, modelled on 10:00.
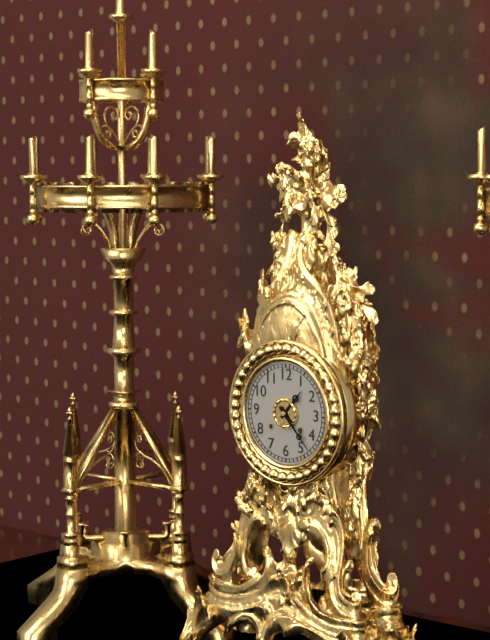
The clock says 1:23
